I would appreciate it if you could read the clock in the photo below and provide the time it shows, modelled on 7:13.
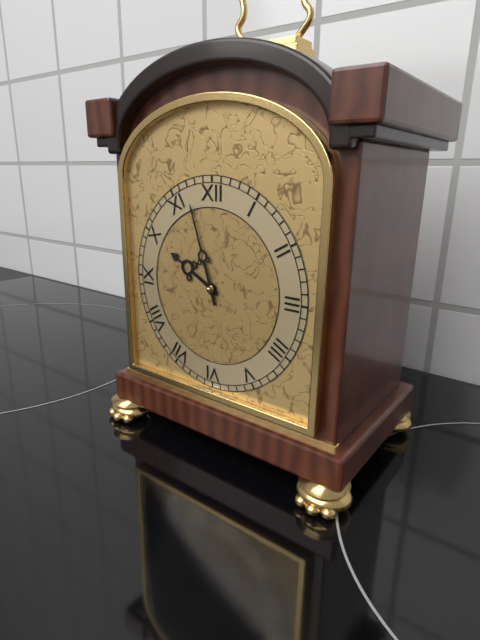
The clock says 9:57
